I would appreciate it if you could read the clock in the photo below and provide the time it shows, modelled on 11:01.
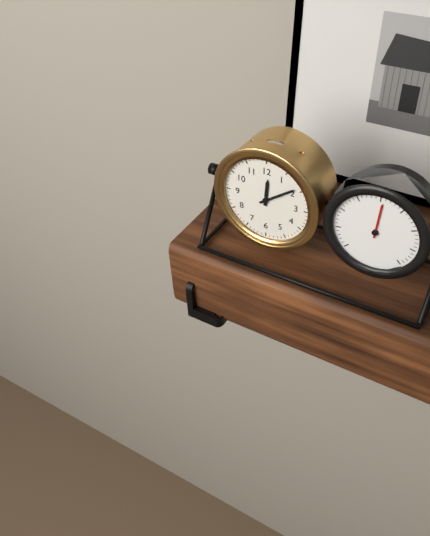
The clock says 12:09
